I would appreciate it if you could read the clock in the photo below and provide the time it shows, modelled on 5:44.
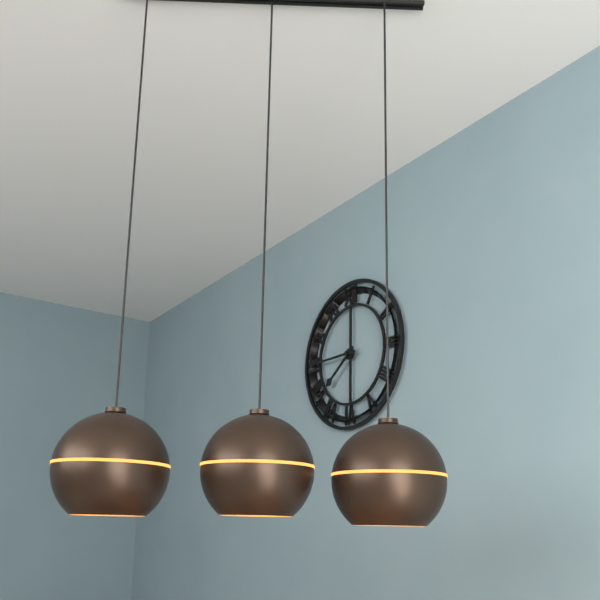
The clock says 7:45
